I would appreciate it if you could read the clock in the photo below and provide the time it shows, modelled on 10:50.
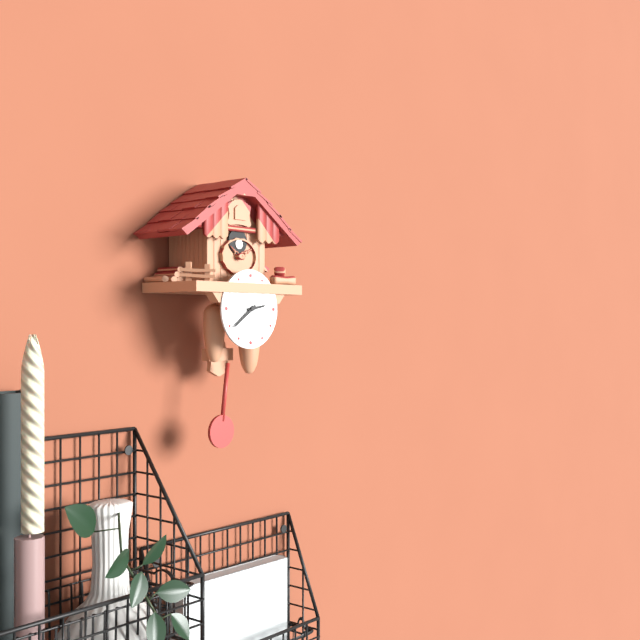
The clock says 2:39
